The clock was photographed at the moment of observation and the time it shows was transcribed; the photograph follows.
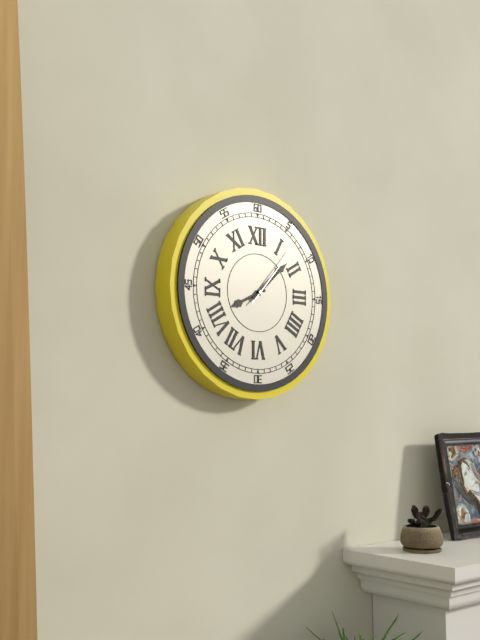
8:08:07
